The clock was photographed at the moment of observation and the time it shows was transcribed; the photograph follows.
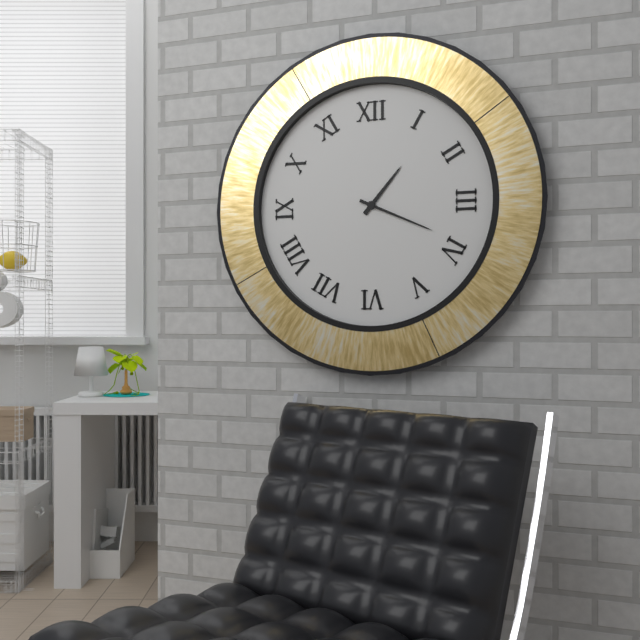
1:19
